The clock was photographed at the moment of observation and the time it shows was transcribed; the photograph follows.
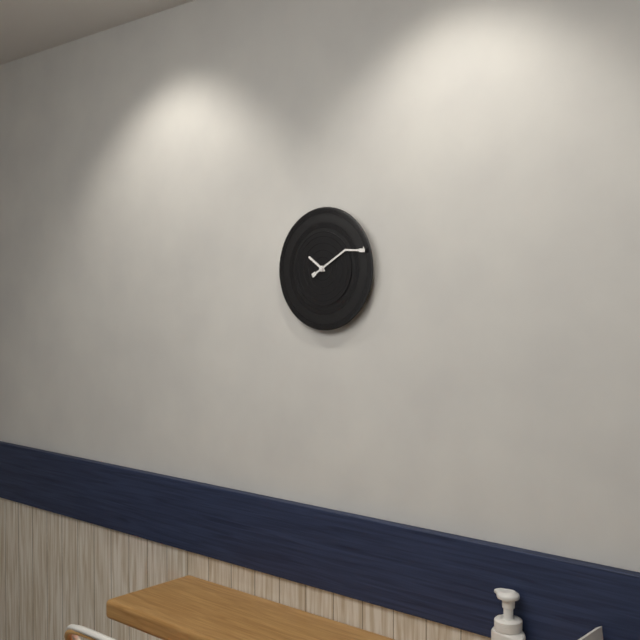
10:10
